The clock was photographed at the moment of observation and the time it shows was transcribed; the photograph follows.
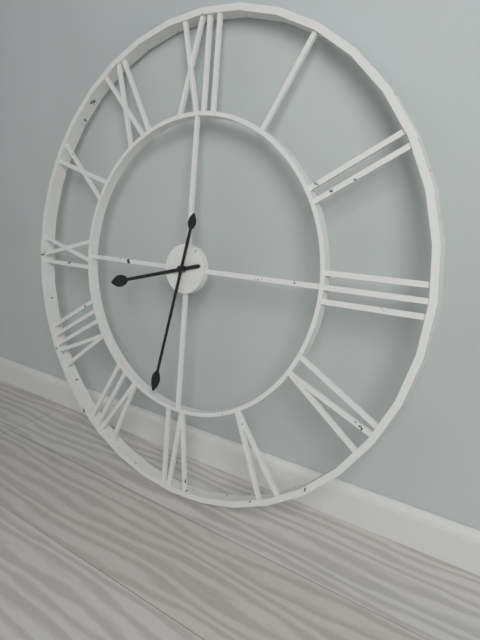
8:32
